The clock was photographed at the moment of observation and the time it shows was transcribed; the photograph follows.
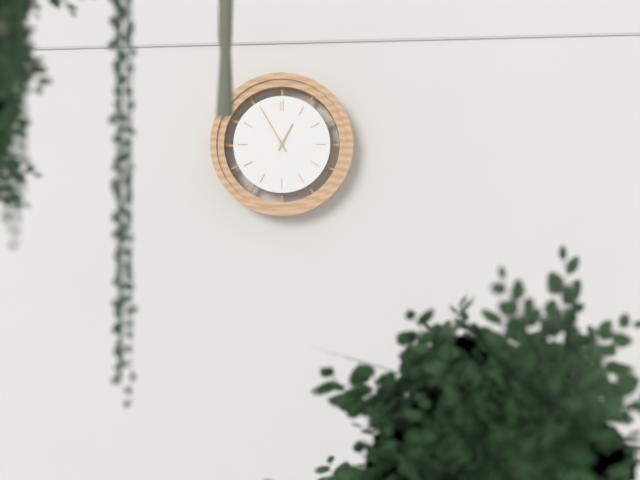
12:55
